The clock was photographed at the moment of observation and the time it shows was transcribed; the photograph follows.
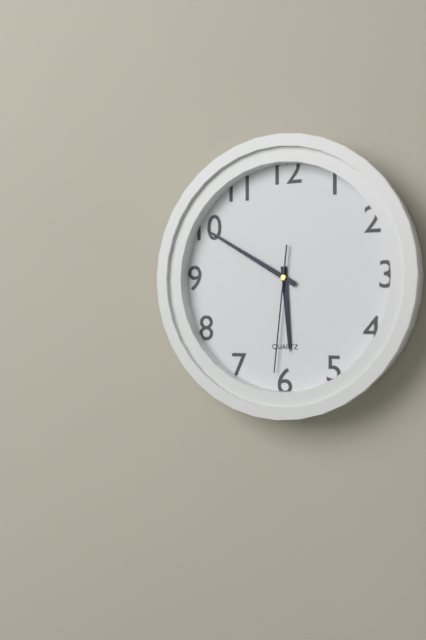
5:50:31
